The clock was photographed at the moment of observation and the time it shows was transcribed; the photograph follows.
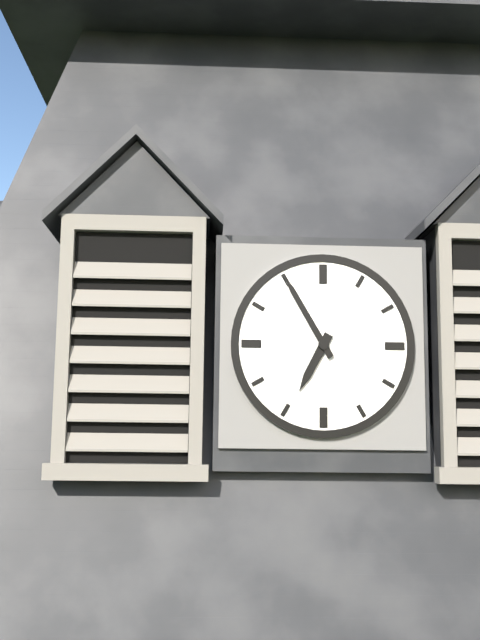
6:55
